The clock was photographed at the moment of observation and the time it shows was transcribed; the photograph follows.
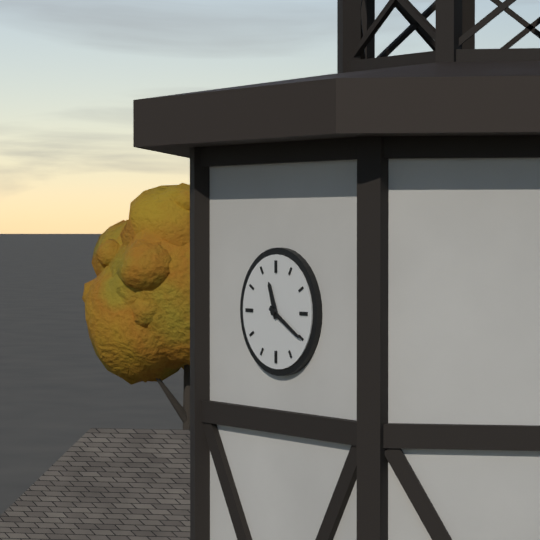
11:20
